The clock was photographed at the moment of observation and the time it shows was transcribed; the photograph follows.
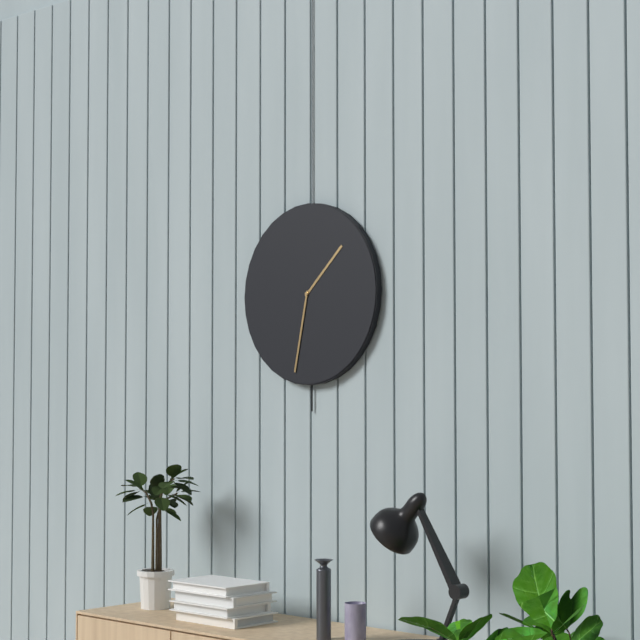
1:32
